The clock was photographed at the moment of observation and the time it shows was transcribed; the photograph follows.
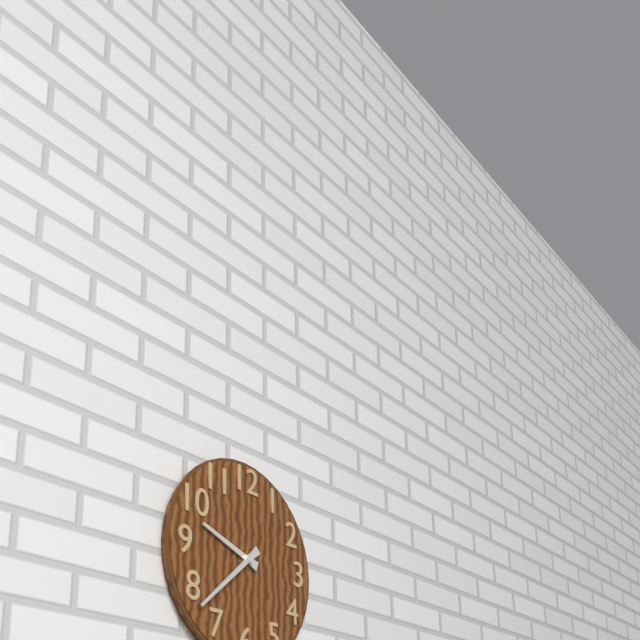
9:38
